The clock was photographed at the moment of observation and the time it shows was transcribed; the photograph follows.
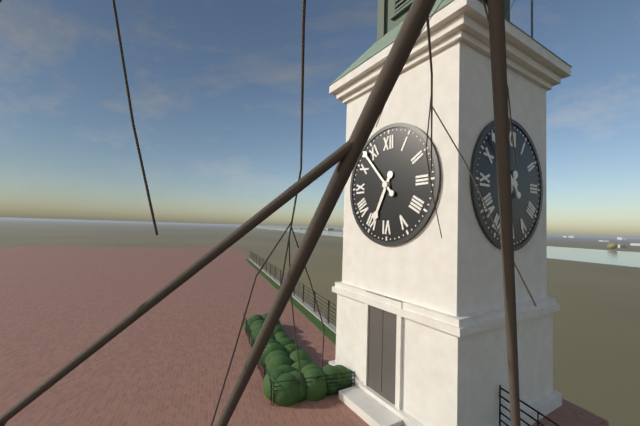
6:53
